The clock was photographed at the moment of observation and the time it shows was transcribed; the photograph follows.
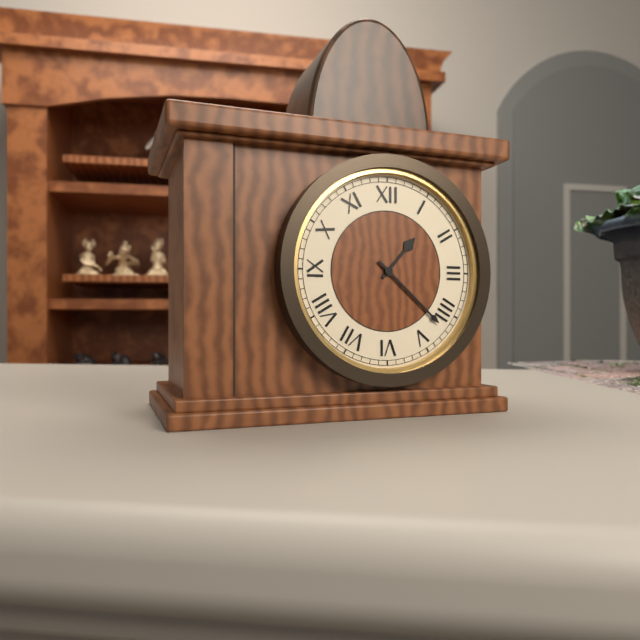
1:22
